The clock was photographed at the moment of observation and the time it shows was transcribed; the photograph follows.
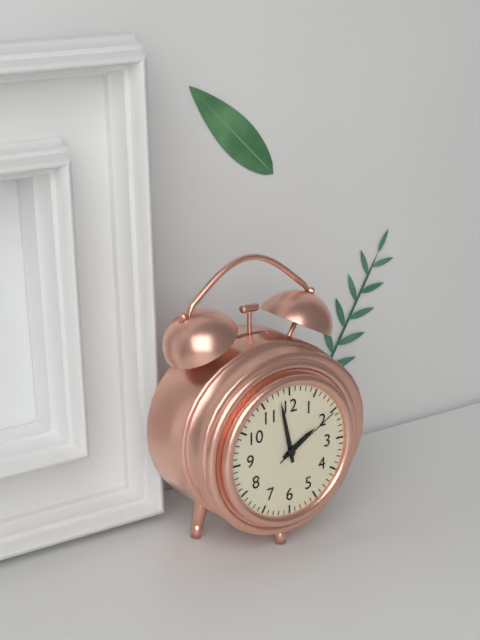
1:58:10
